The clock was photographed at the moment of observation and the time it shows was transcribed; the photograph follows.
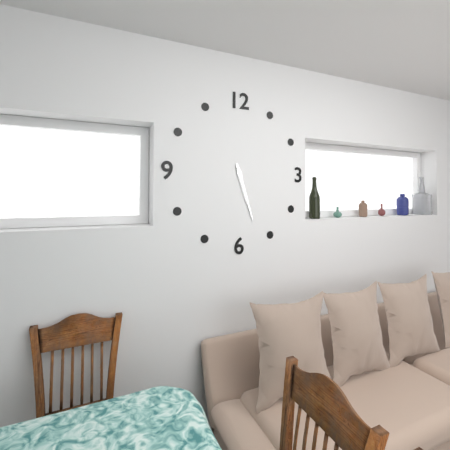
5:27
